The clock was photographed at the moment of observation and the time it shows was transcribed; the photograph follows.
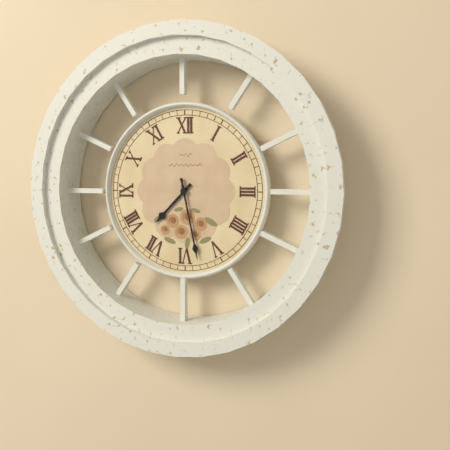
7:28
